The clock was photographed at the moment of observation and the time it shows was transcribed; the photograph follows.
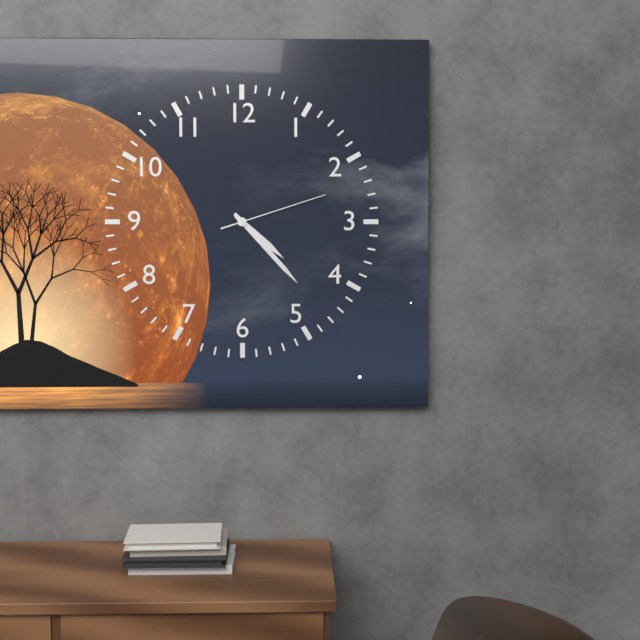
4:23:12
